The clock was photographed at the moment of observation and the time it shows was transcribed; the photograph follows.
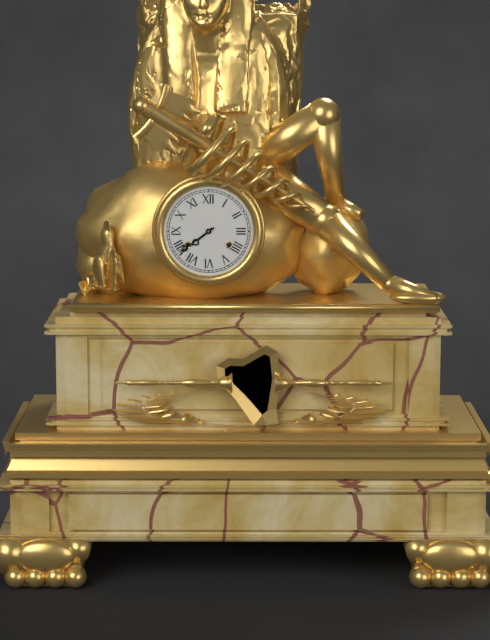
7:39
